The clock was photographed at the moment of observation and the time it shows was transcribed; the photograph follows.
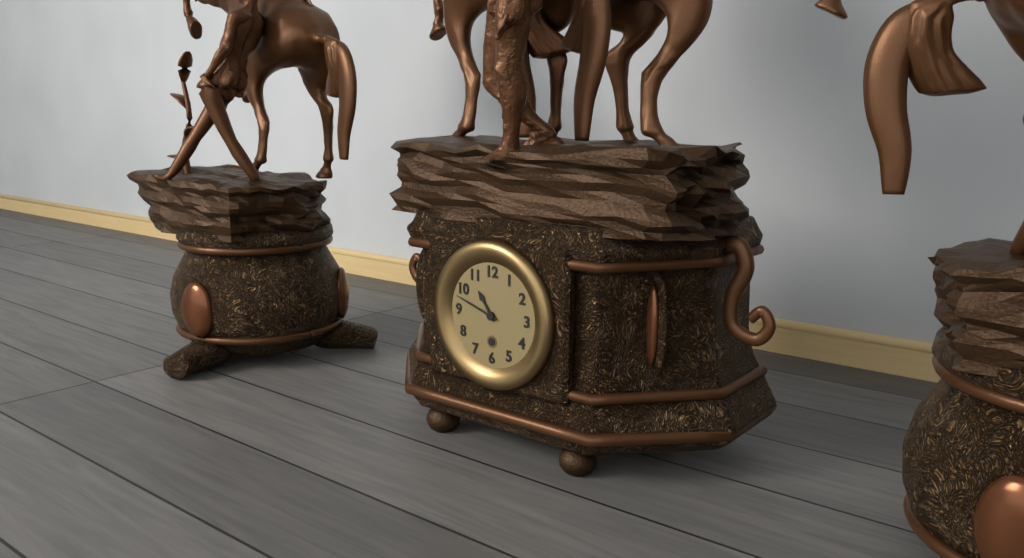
10:48
